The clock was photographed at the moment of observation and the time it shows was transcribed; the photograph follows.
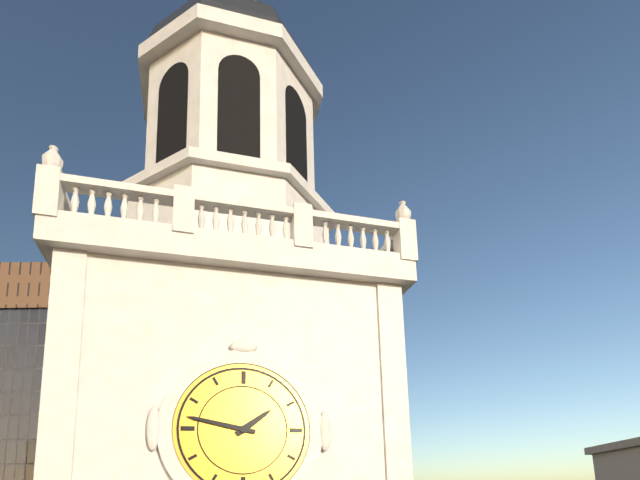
1:47
